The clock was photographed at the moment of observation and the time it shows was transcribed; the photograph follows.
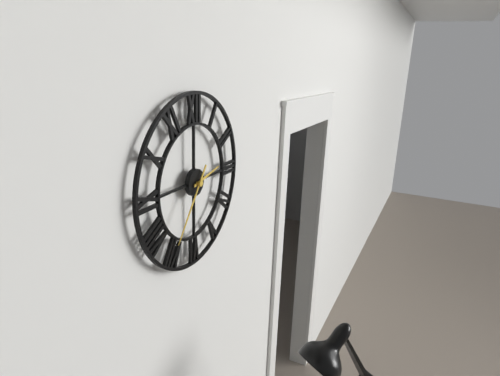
2:36
